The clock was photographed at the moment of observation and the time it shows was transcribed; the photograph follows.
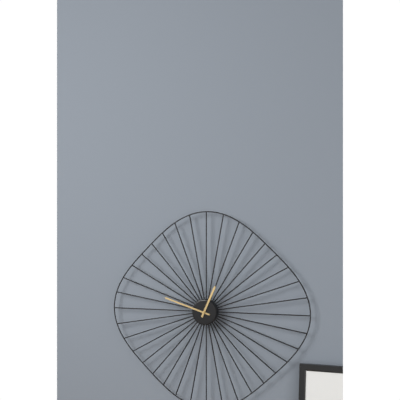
12:48
